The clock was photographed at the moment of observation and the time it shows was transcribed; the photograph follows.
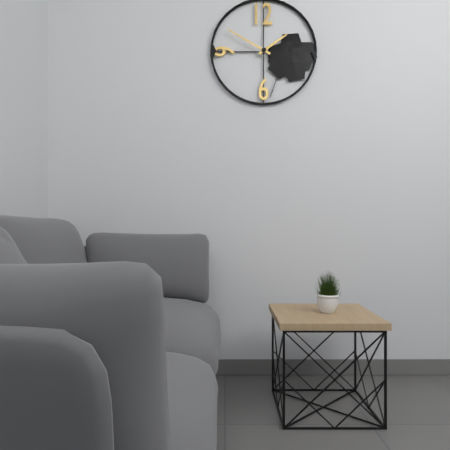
1:50
